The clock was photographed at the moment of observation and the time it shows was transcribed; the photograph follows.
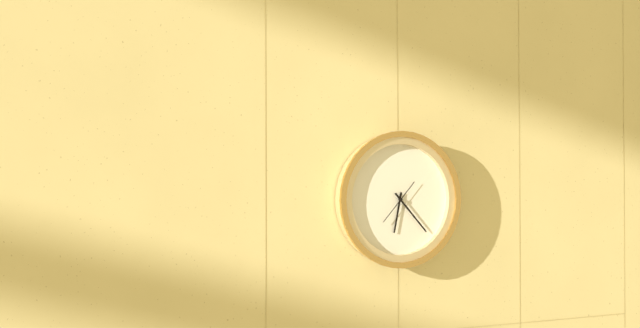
6:23
